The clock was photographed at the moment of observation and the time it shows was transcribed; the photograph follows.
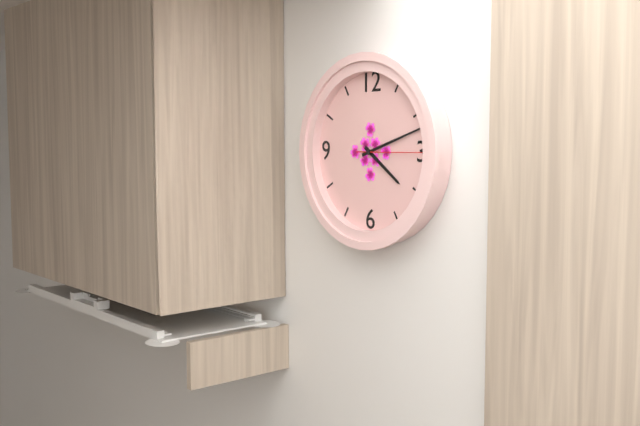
4:12:15
